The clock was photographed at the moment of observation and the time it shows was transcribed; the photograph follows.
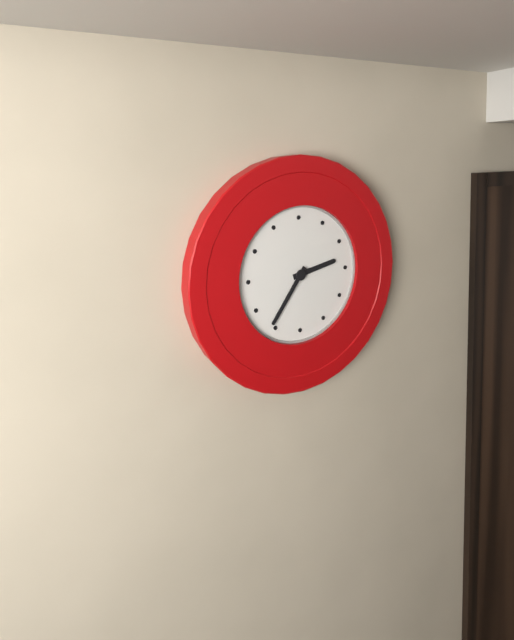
2:36
